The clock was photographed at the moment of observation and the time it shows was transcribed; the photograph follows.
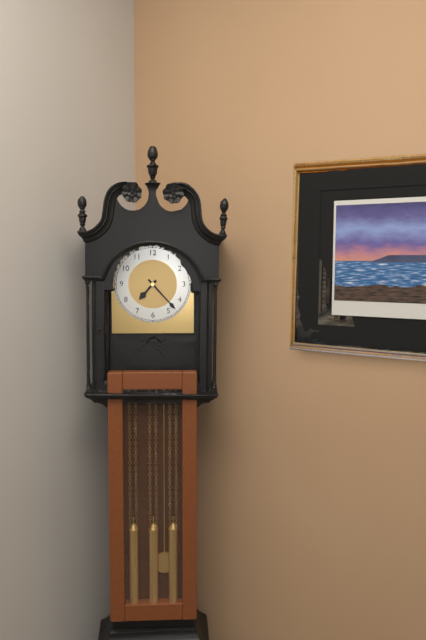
7:23
